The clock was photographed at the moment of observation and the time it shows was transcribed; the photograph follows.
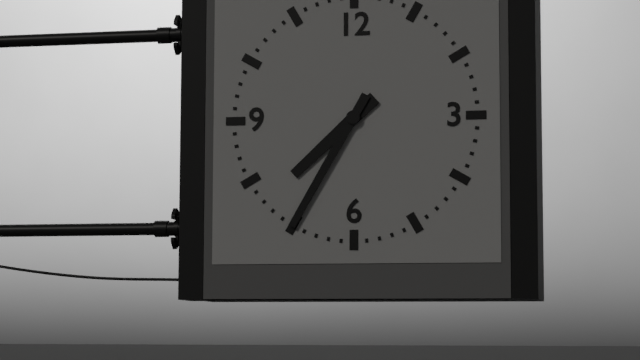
7:35
